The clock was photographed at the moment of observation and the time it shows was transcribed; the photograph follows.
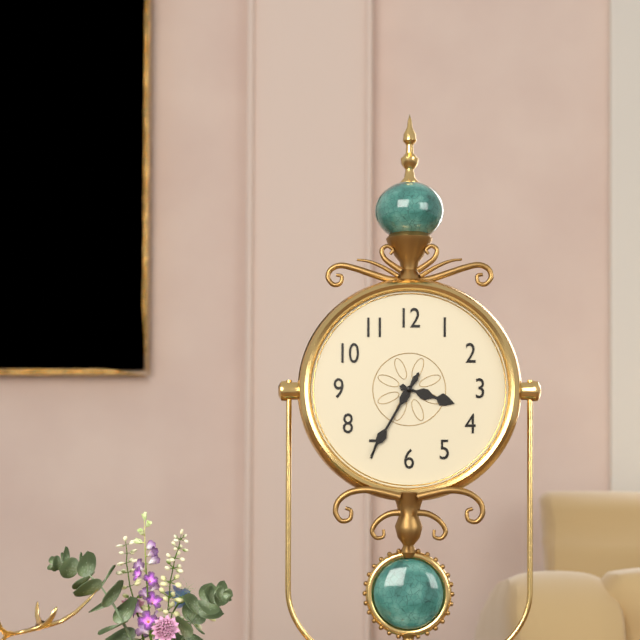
3:35:35
